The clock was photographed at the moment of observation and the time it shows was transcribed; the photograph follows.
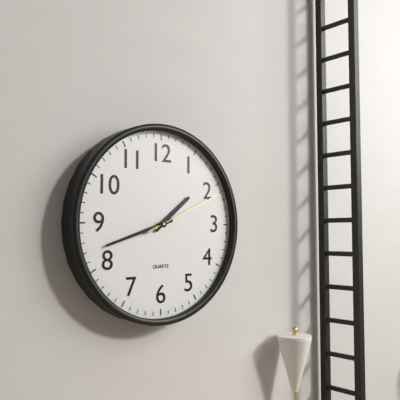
1:42:11
